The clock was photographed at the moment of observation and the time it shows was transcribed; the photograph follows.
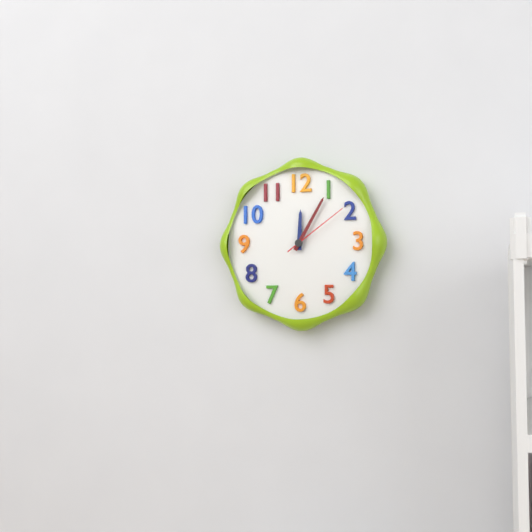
12:05:09
